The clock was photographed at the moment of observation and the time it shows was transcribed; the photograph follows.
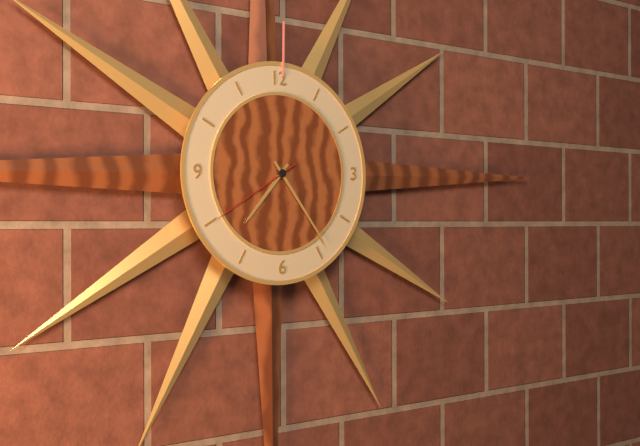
7:24:40
